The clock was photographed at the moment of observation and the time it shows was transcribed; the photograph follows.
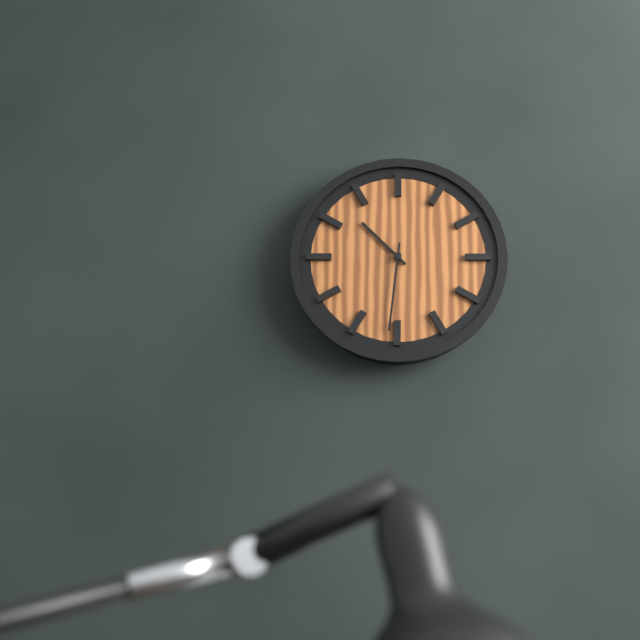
10:31
